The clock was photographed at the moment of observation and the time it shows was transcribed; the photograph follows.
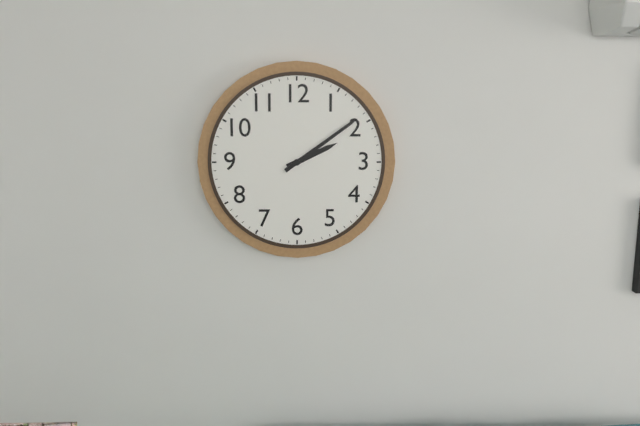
2:09
